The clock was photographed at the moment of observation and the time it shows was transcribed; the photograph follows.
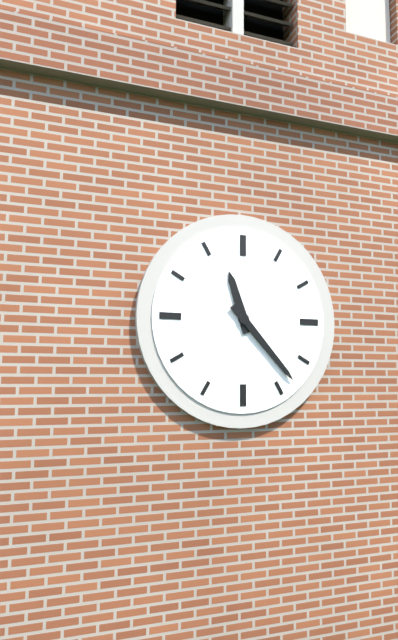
11:23
